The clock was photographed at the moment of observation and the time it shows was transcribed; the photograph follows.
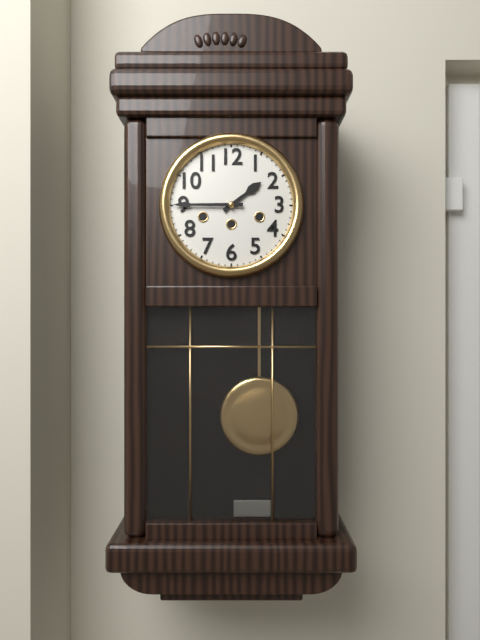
1:45
